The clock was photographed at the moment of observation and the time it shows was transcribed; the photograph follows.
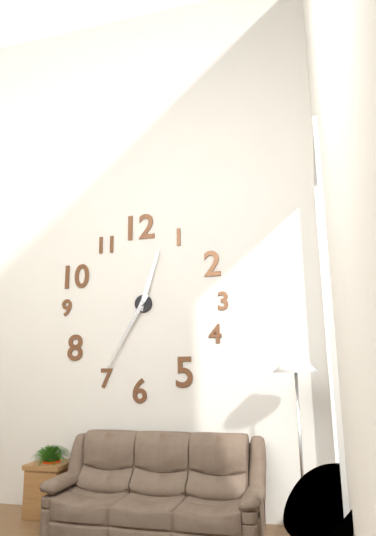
12:35
